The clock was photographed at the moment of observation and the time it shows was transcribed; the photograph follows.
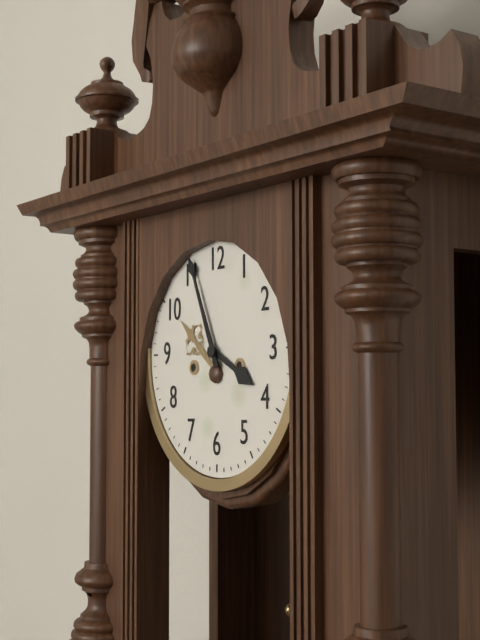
3:56
